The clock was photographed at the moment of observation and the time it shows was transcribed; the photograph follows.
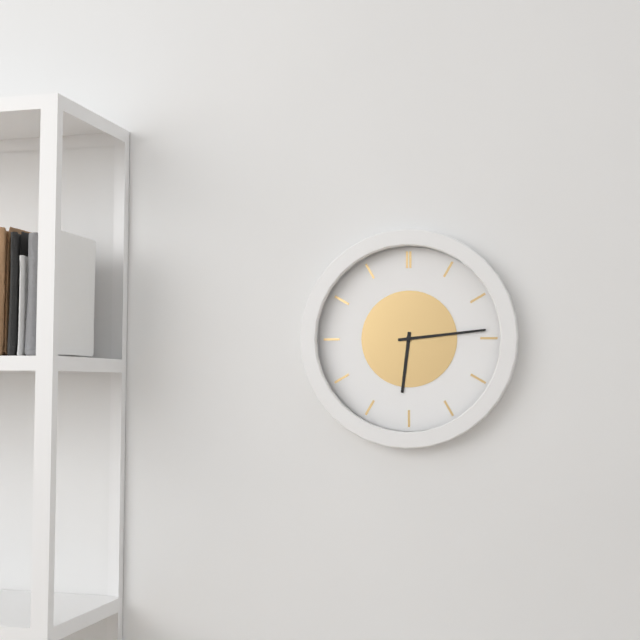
6:14
